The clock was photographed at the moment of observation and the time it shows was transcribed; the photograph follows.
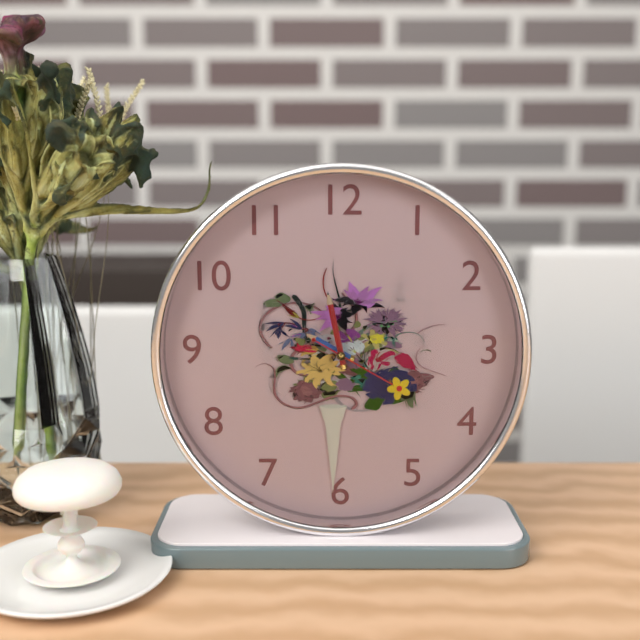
9:58:20
